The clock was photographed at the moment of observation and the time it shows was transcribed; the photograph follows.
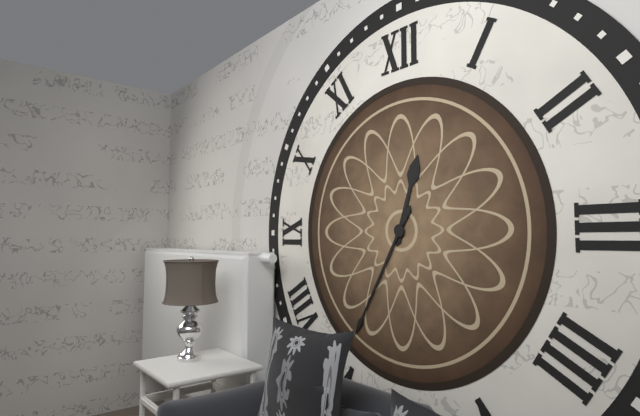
12:35
